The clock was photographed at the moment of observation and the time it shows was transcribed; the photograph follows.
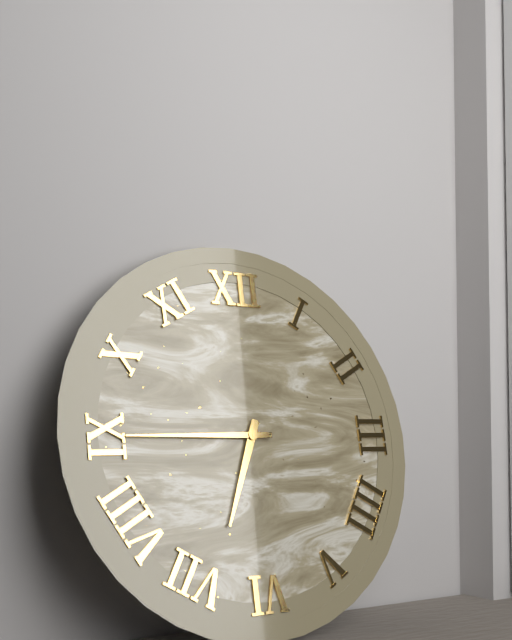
6:45
